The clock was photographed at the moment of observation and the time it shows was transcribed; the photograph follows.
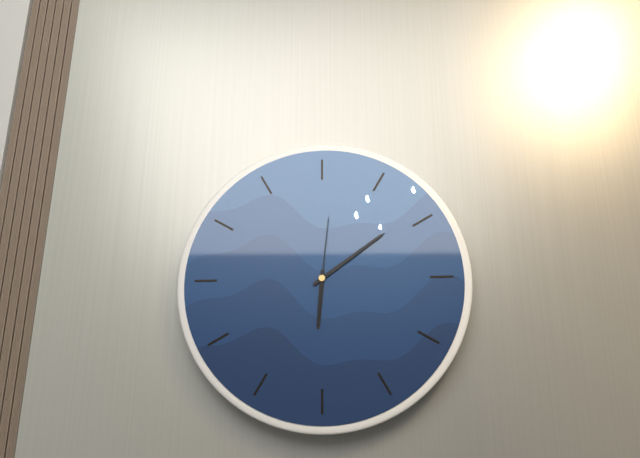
6:09:01
